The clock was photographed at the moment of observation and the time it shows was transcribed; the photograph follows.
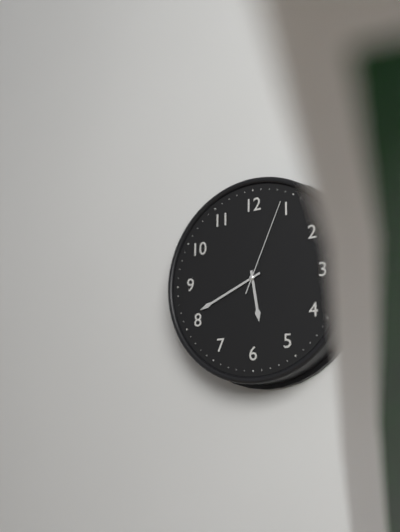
5:41:04
